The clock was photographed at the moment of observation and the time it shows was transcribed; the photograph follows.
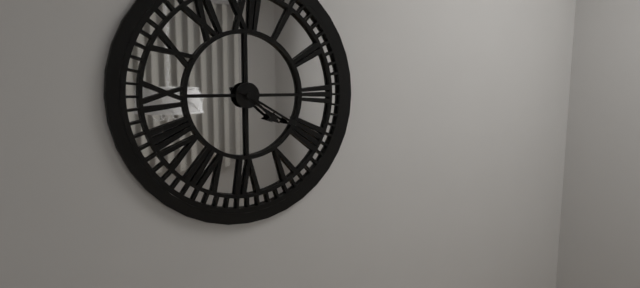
4:20
